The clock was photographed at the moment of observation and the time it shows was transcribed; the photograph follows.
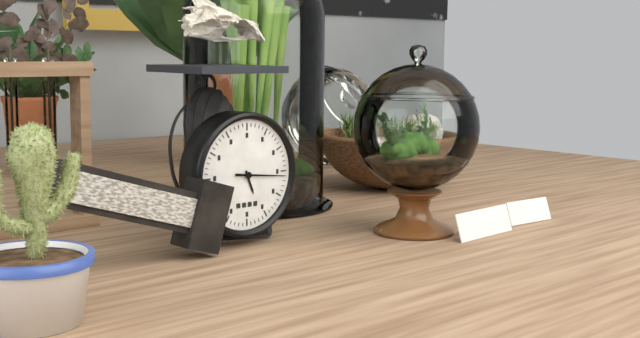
5:16
